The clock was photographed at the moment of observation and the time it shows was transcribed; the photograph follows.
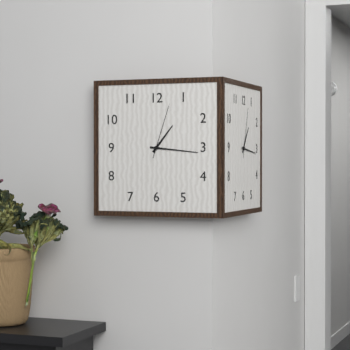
1:16:03
